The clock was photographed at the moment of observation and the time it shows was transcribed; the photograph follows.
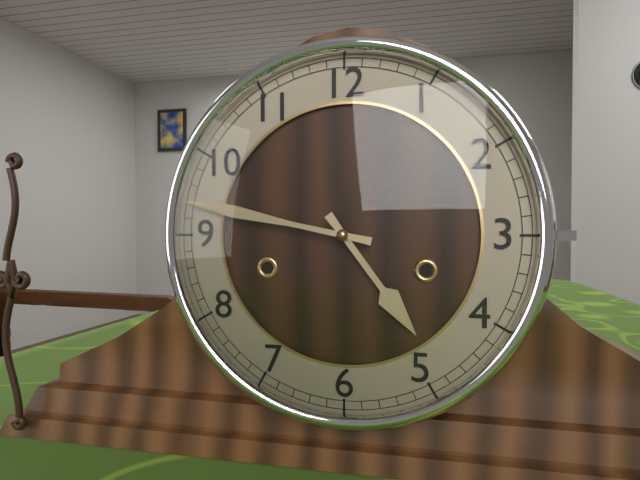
4:47
